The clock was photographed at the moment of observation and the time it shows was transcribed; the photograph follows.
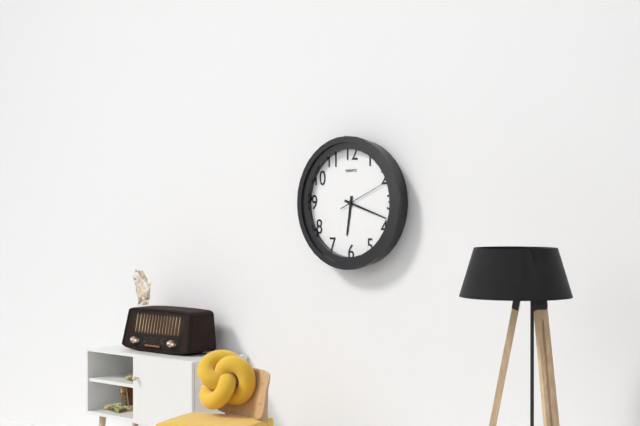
6:18:11
